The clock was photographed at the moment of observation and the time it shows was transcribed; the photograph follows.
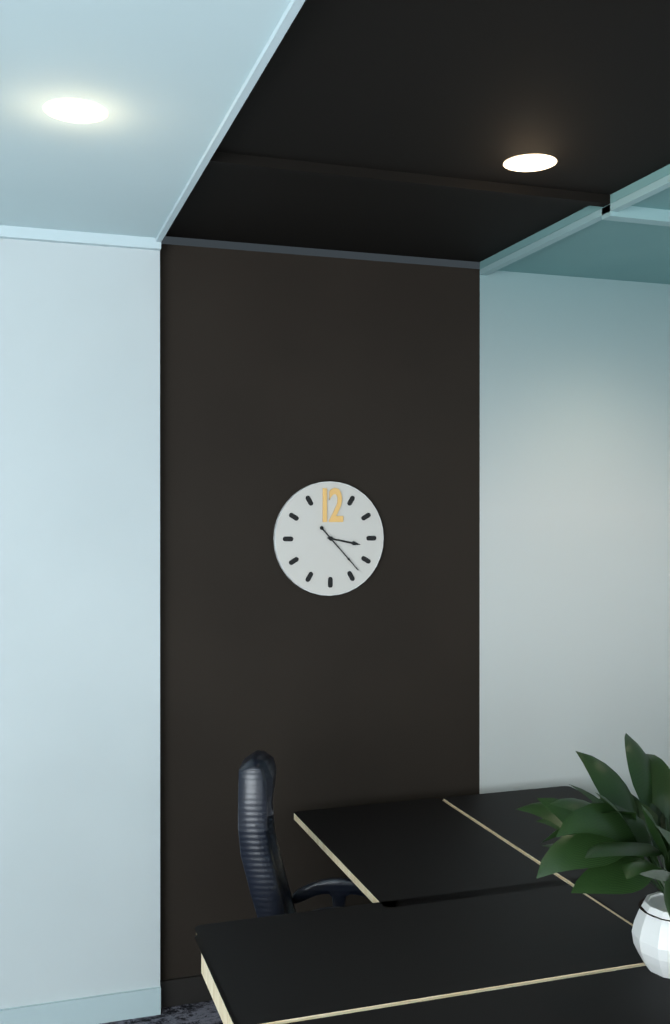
3:23
